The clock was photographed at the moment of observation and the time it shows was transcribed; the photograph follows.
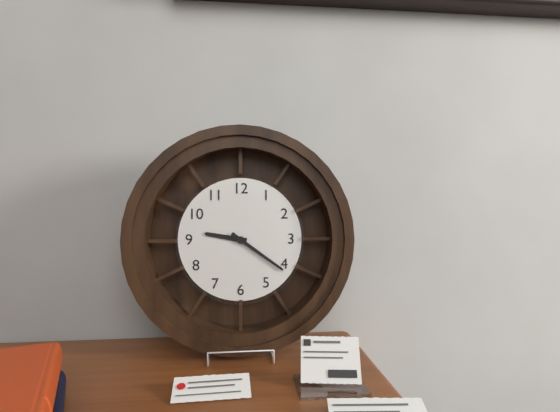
9:21
